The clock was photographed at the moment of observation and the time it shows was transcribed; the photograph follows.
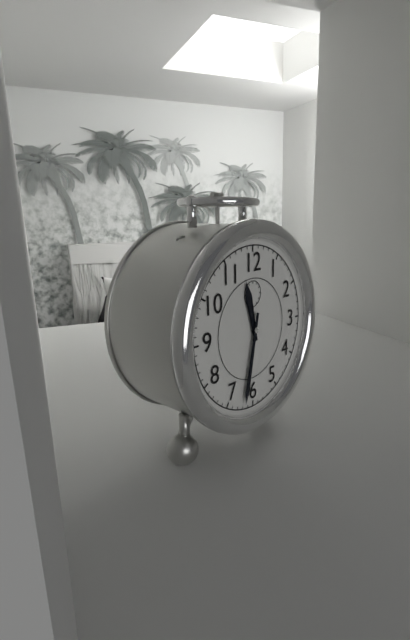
11:32
